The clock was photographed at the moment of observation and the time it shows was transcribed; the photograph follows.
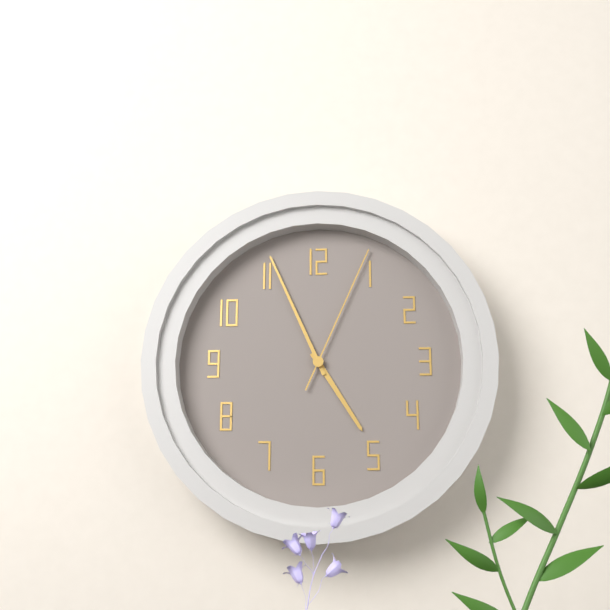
4:56:04
